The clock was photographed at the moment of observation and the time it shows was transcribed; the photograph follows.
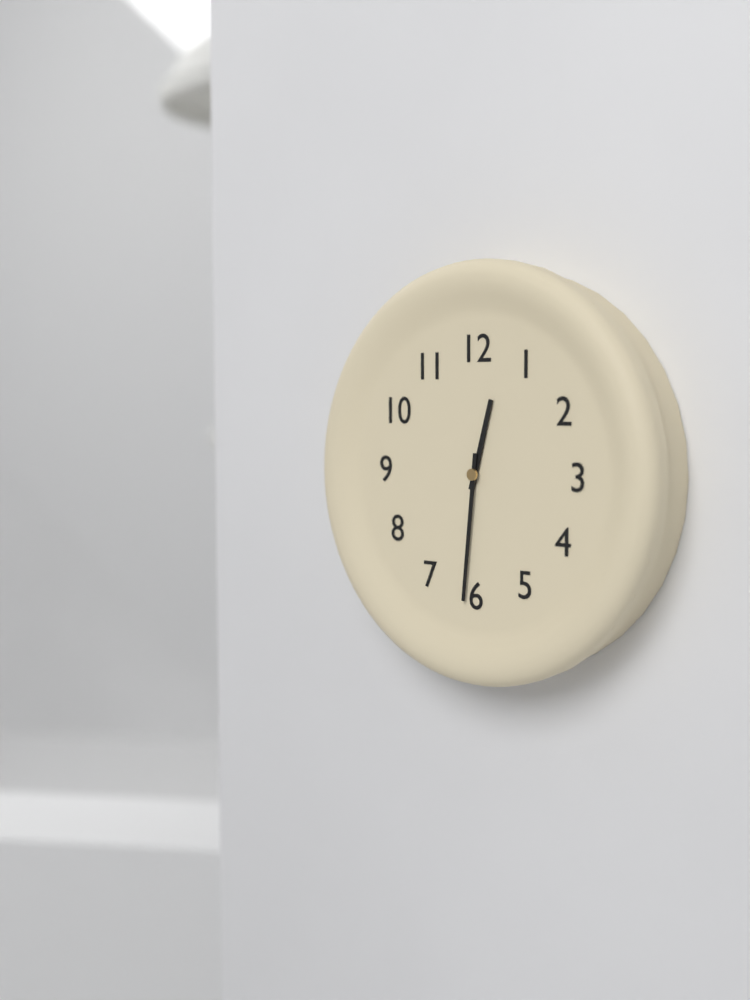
12:31
